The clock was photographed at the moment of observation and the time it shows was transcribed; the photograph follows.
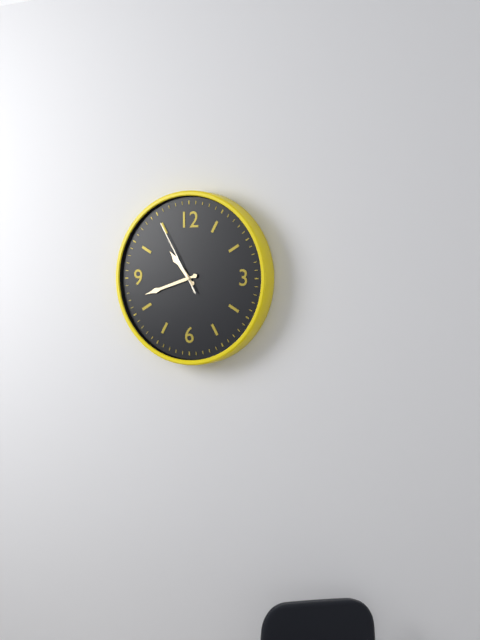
10:42:55
